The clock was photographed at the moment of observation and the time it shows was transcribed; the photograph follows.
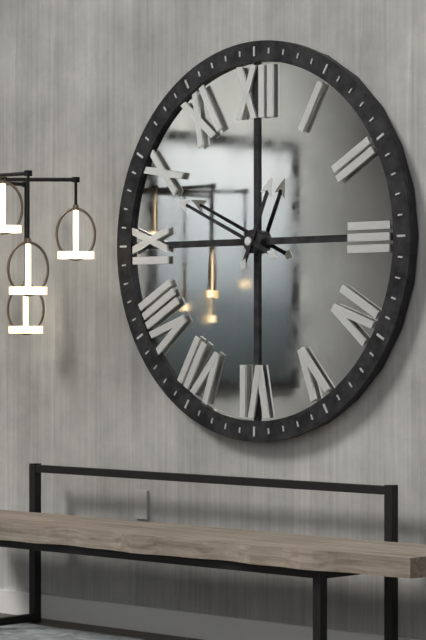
12:49
